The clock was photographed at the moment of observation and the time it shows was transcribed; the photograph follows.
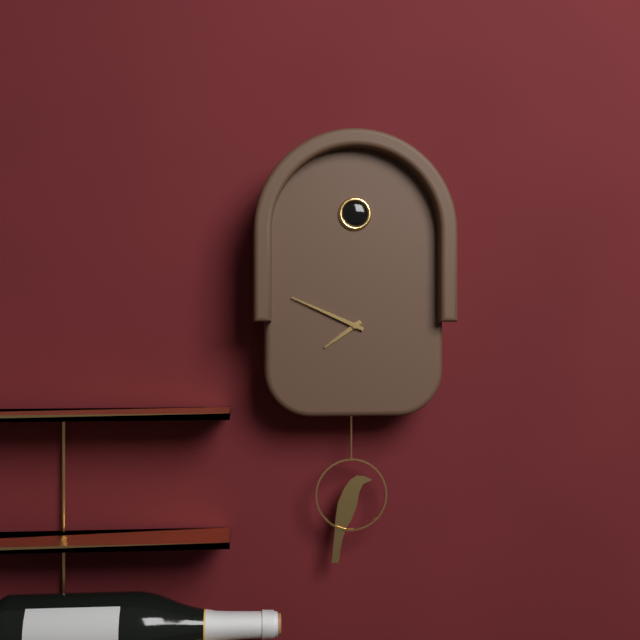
7:49
